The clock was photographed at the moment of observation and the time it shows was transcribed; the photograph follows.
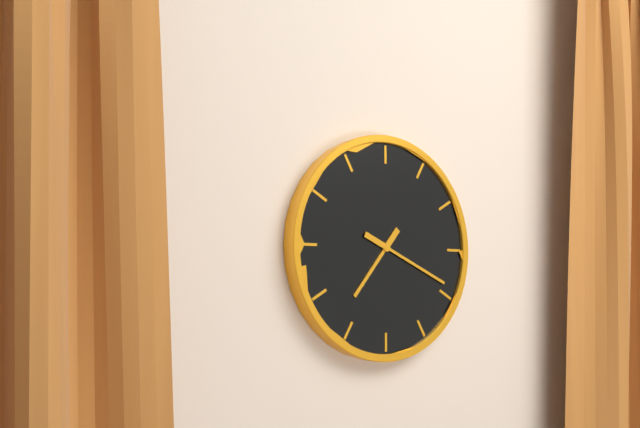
7:19
